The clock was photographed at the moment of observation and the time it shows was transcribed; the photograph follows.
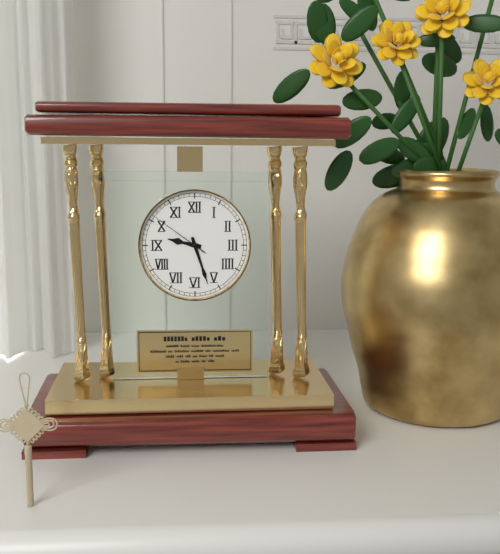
9:27:51
